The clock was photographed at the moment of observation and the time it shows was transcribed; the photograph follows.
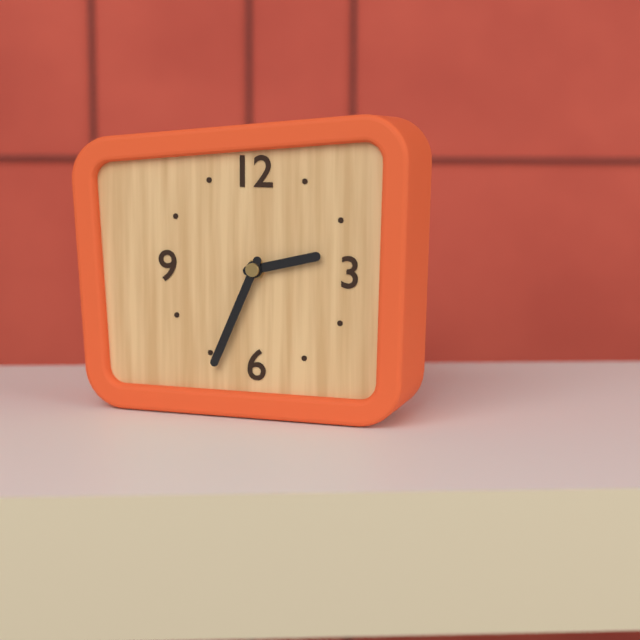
2:34
